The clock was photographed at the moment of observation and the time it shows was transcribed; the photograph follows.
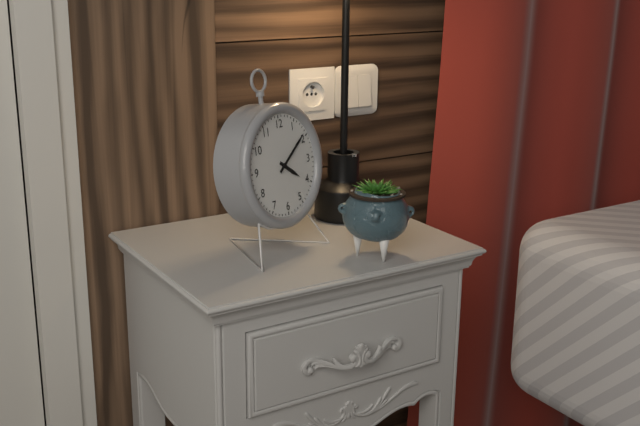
4:09
